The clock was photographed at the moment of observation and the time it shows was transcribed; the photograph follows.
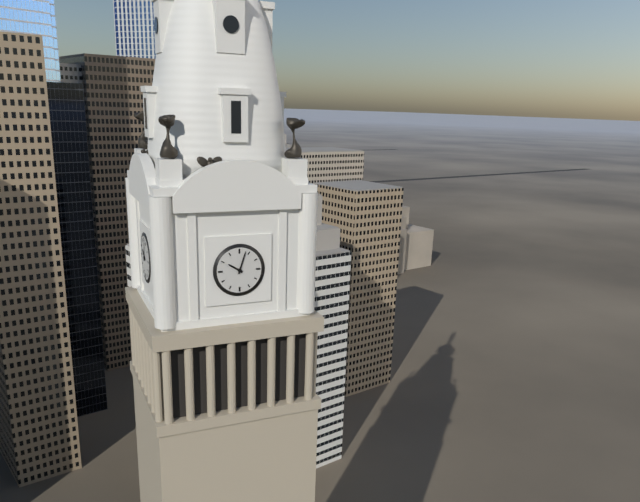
10:03
